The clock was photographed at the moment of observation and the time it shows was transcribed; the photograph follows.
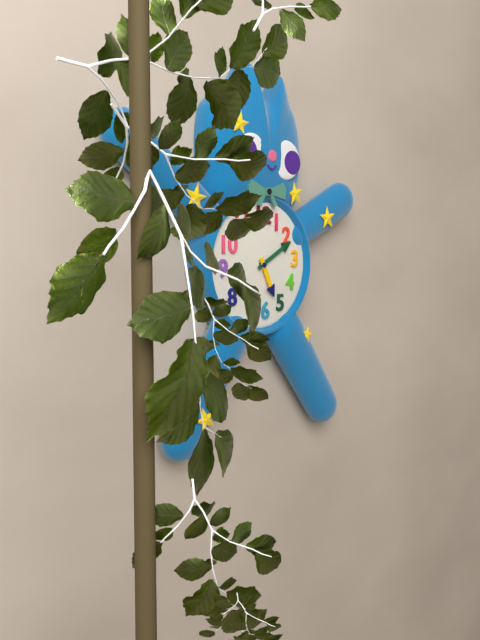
5:10
